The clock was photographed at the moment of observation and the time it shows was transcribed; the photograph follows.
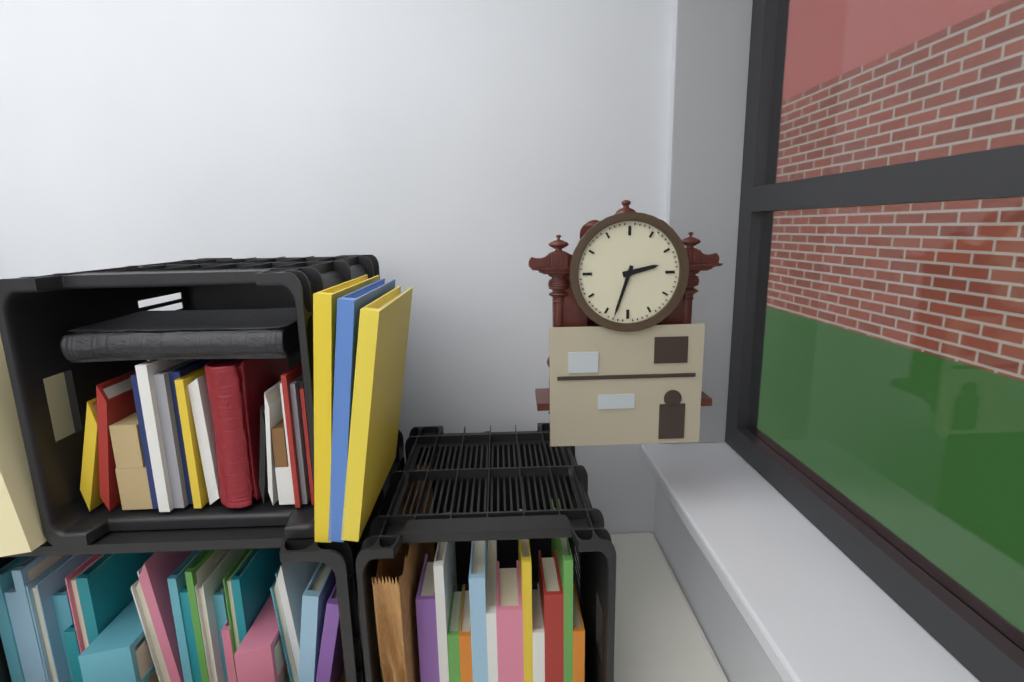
2:33
